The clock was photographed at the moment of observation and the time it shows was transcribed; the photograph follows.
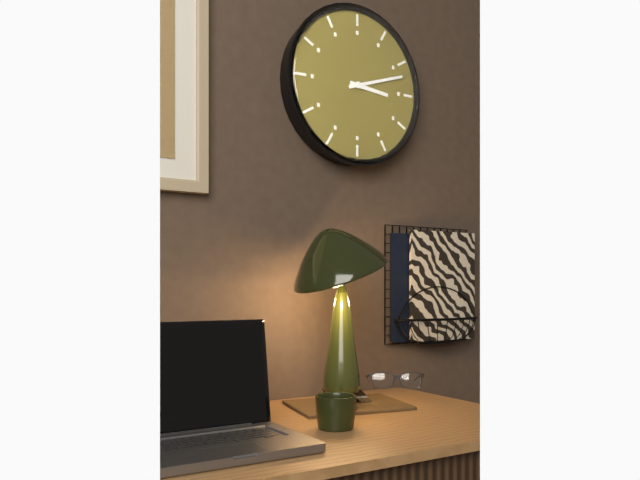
3:12
